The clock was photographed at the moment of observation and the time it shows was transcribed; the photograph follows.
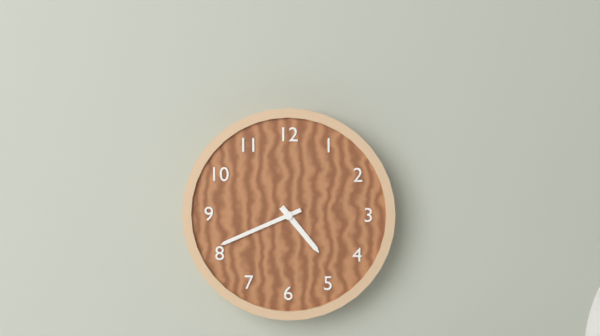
4:41
